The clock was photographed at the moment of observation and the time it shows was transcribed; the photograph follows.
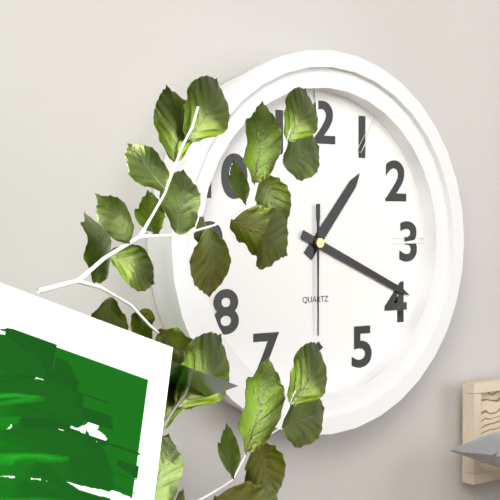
1:19:30
